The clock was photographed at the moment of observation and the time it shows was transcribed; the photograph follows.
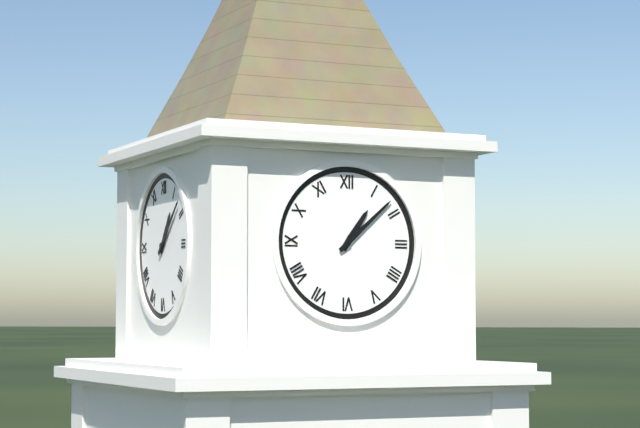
1:08
